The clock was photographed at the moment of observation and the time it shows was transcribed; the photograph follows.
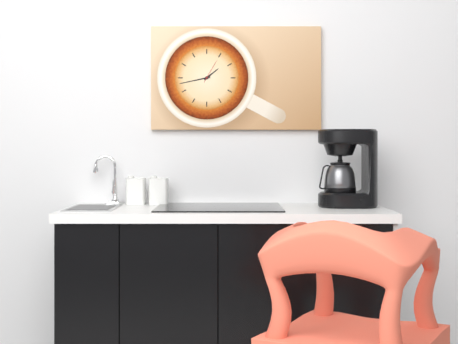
1:43
